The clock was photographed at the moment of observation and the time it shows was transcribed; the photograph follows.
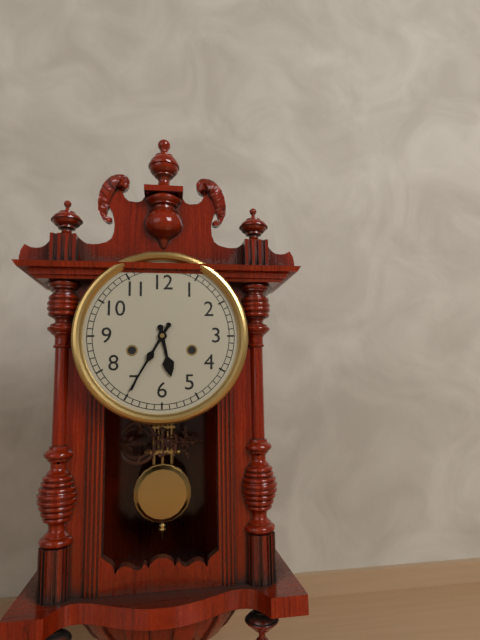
5:35
